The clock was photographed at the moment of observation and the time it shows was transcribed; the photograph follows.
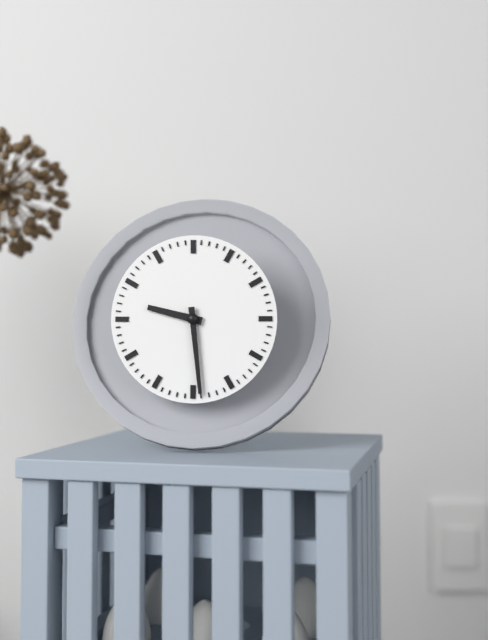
9:29
